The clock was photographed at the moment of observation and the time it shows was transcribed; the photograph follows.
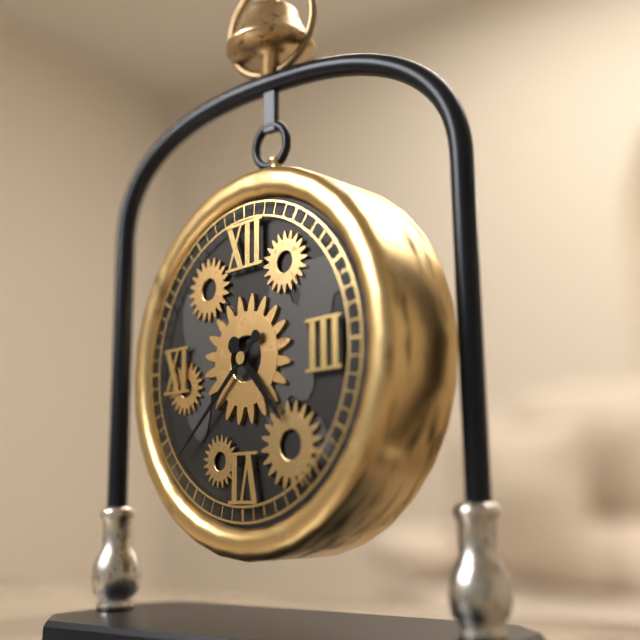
4:38
